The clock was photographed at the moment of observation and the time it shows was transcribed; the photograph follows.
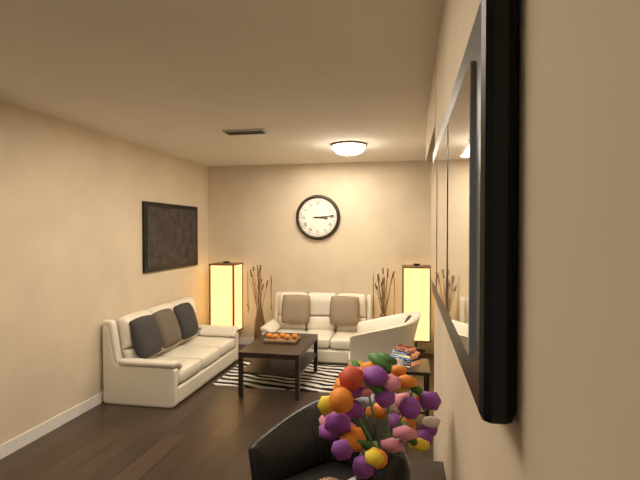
3:14
